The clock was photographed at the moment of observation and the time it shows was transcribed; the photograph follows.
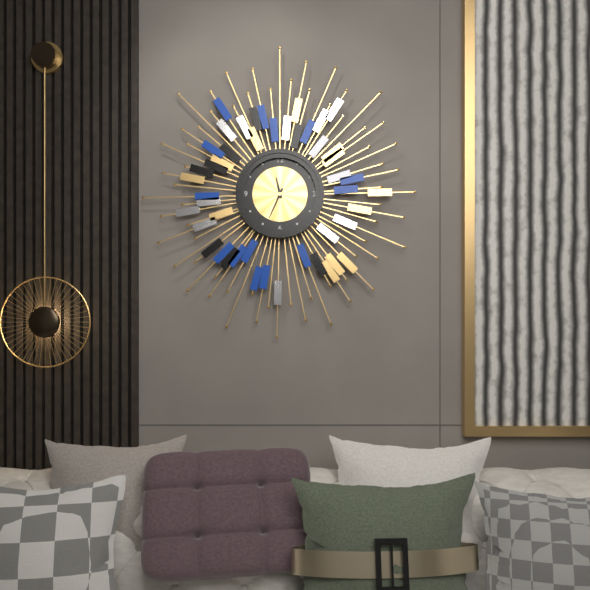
11:34
